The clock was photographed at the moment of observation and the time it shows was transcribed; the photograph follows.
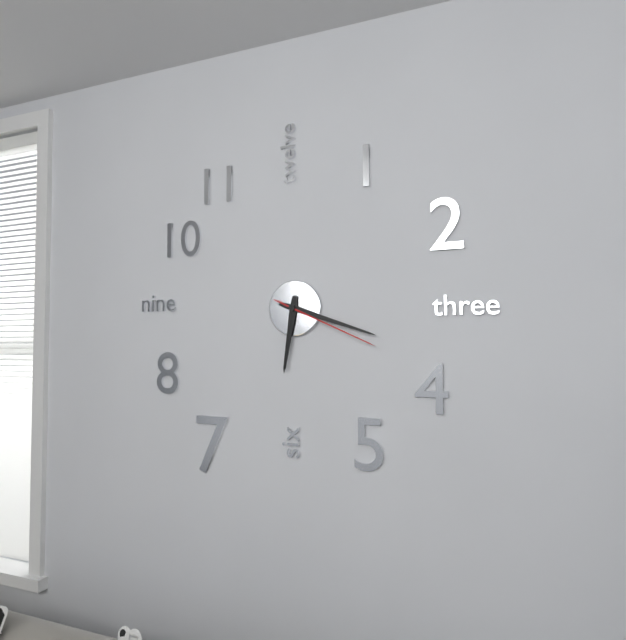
6:18:19
